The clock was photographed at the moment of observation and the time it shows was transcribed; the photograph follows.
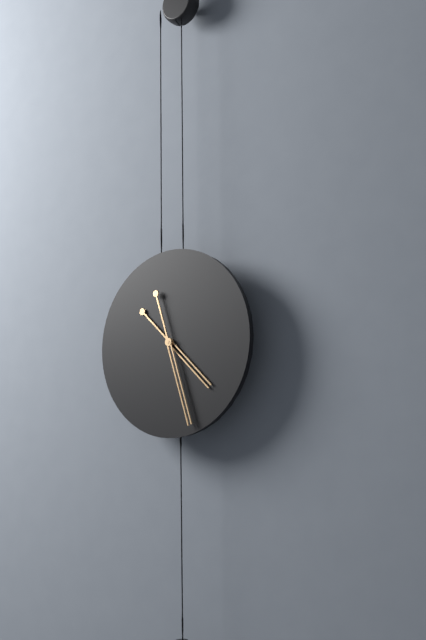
4:27
